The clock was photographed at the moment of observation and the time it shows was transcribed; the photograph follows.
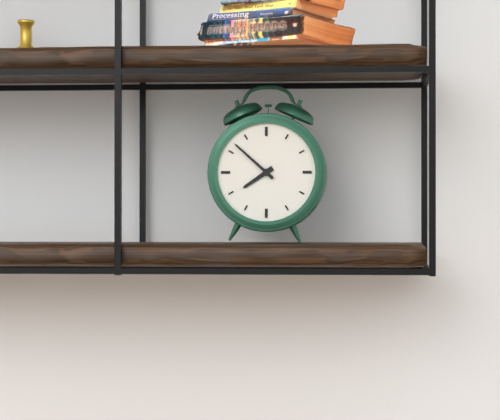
7:52
